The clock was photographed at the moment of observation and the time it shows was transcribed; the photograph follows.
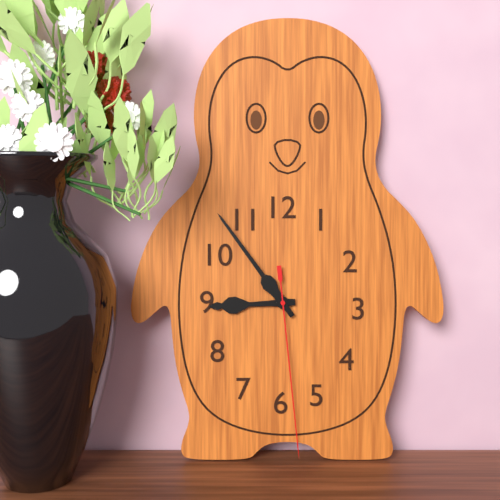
8:54:29
